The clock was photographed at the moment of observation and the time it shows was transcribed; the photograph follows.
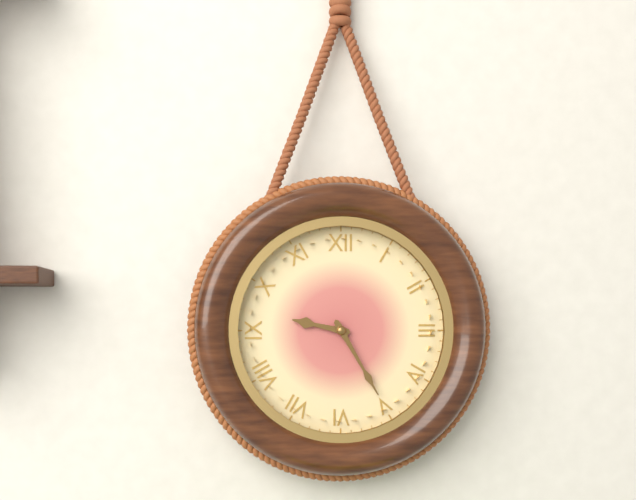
9:25
